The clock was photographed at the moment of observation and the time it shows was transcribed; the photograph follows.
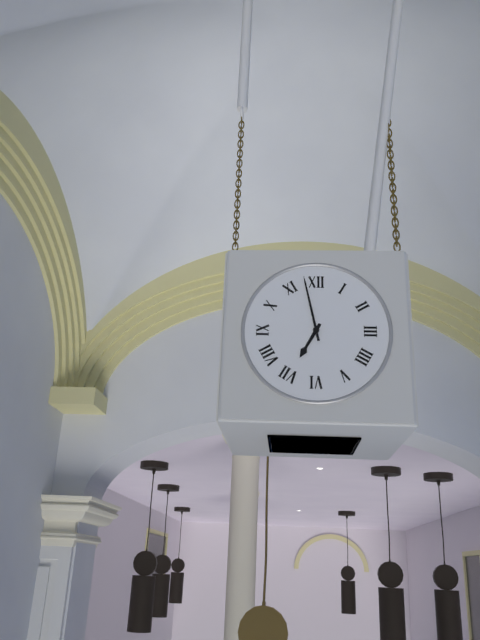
6:58
